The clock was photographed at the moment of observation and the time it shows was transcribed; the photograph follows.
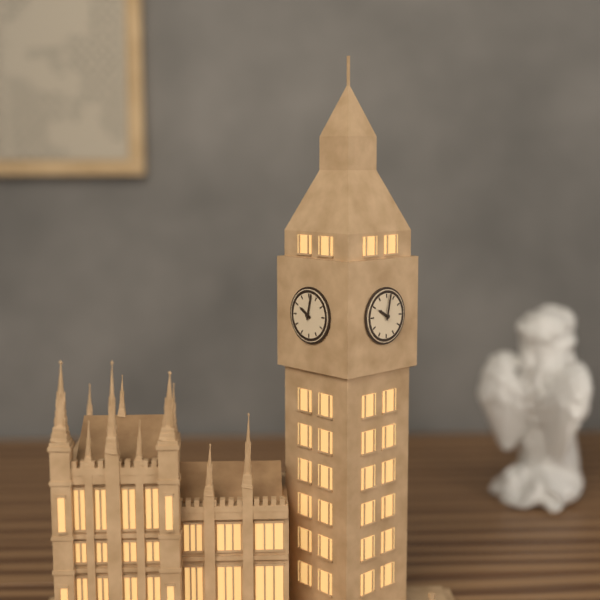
10:02
